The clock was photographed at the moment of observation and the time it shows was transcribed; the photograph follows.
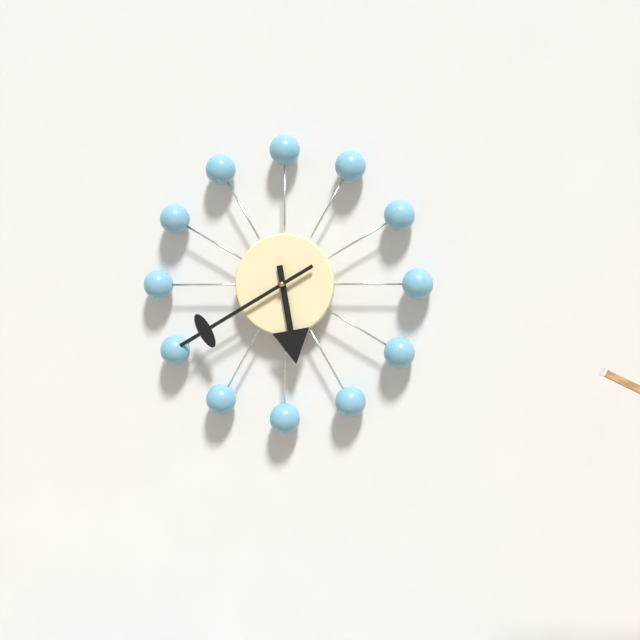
5:40
